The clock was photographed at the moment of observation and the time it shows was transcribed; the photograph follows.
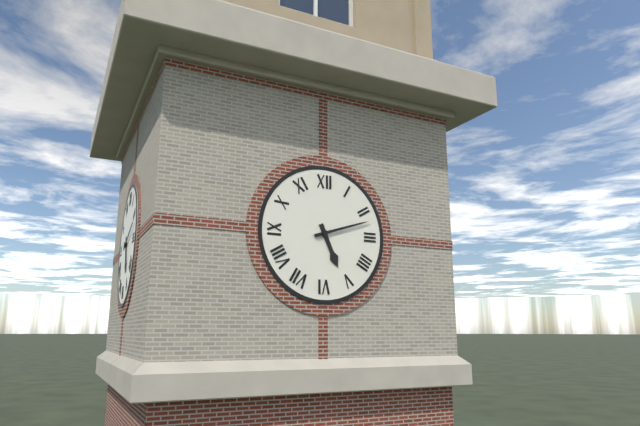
5:12
